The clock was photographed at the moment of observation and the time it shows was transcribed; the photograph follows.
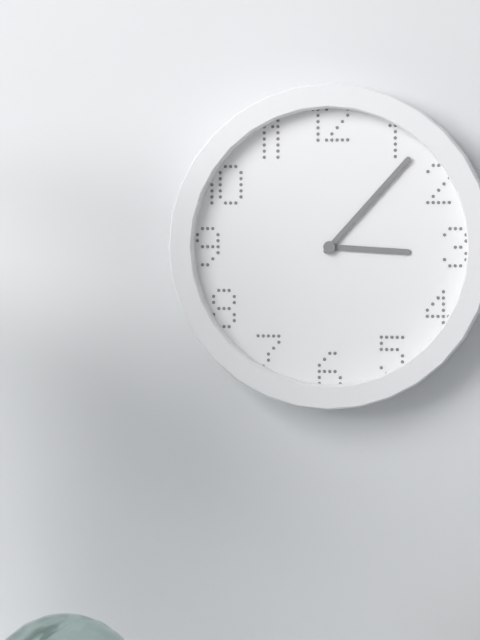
3:07
